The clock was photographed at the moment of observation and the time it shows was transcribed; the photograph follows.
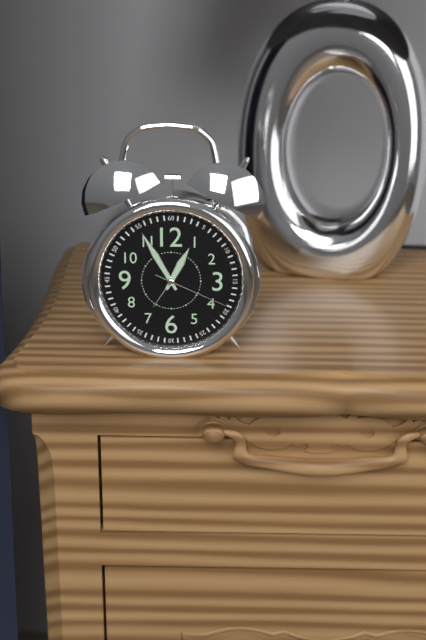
12:55:19
